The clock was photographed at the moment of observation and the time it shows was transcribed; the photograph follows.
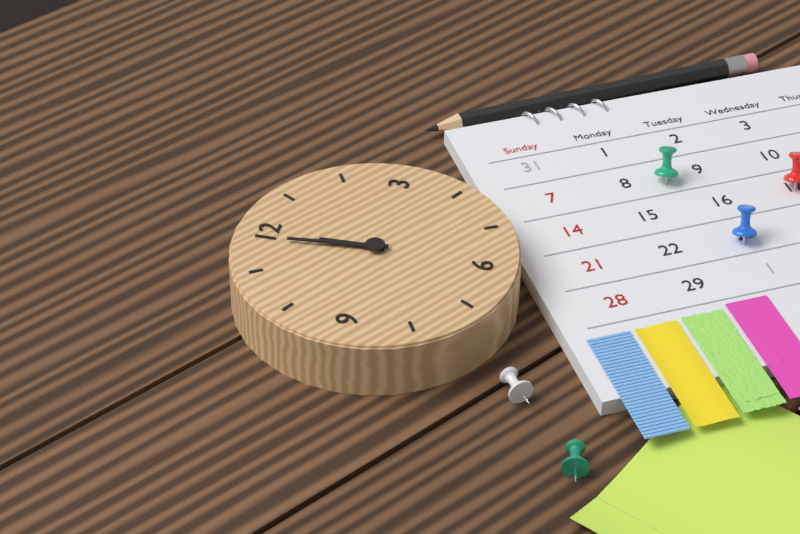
11:59
